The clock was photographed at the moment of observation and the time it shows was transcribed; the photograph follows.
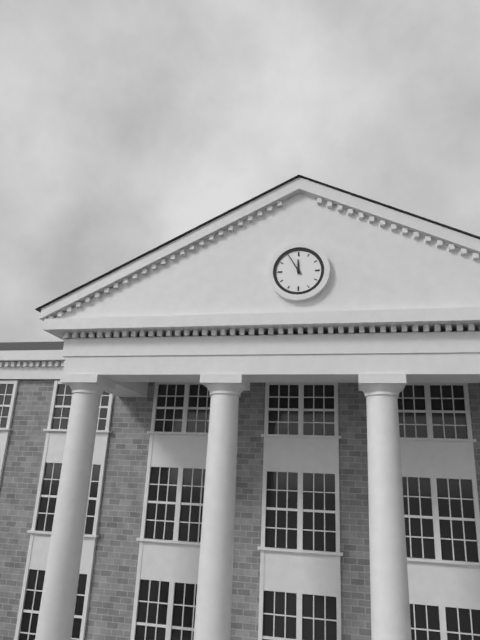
11:55
